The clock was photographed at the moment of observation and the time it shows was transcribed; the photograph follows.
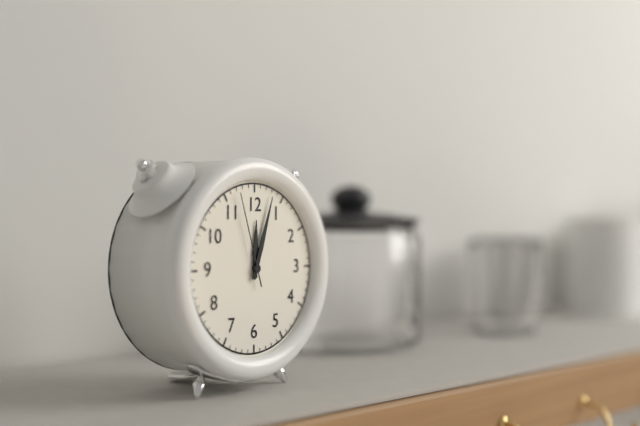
12:03:57
